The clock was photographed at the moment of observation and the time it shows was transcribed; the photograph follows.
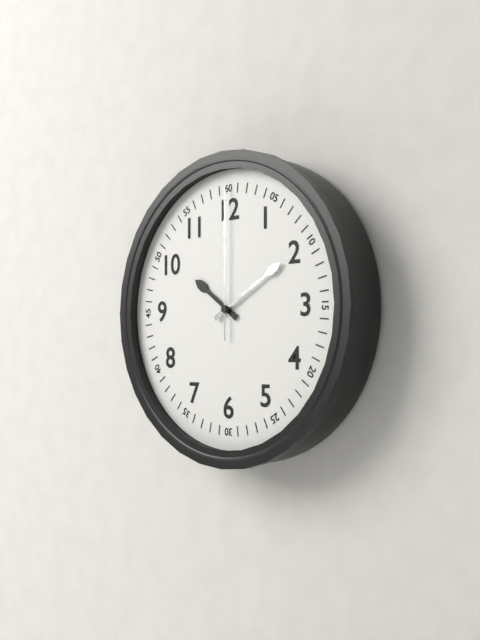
10:10:00
